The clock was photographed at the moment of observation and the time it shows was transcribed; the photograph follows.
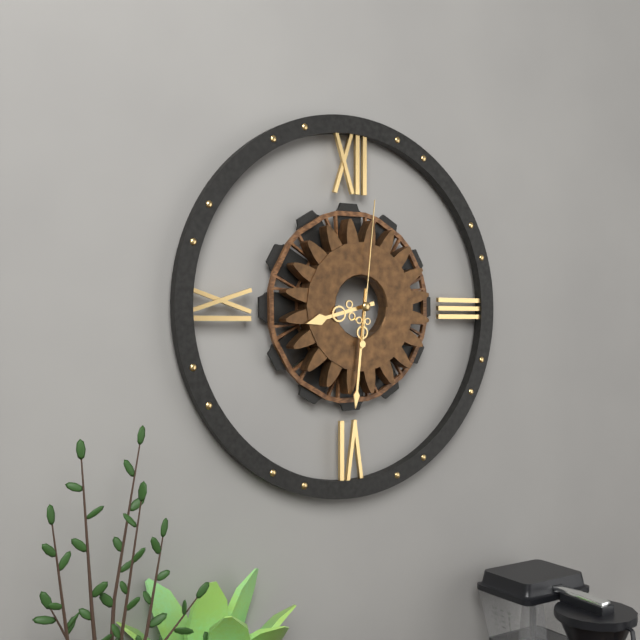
8:31:01
